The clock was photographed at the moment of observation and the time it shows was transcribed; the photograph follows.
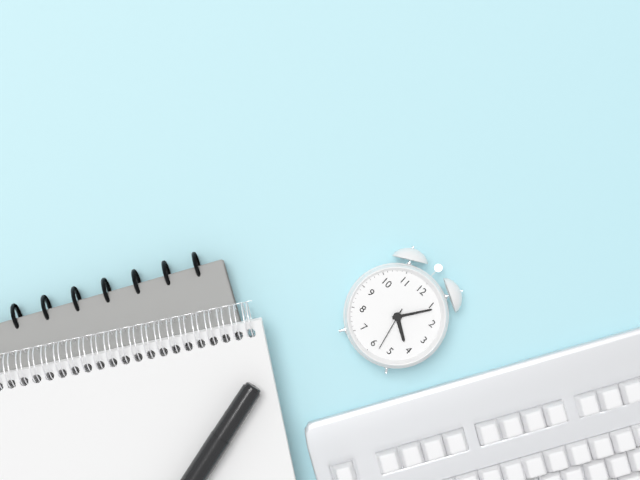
4:06
